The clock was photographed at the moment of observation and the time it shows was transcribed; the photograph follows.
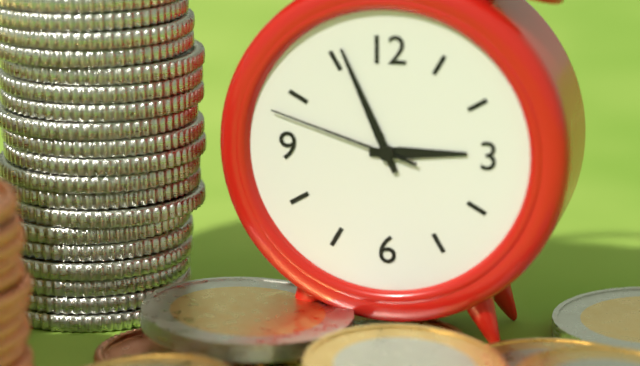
2:56:48
